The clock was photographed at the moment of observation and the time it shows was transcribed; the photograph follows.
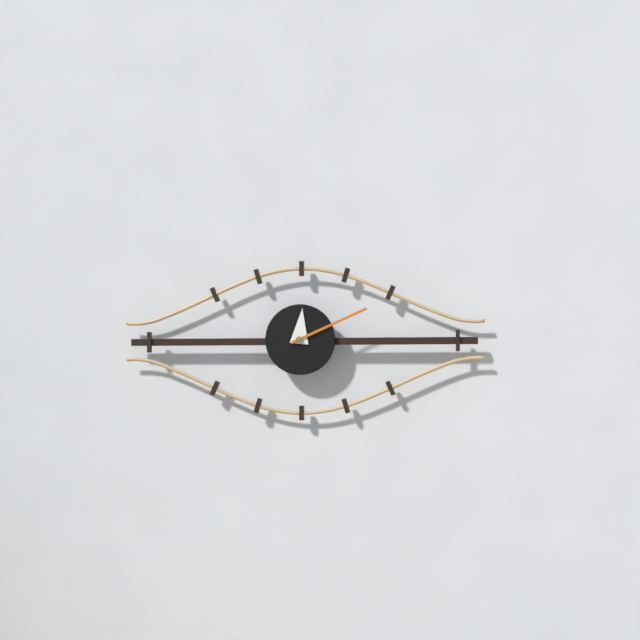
12:11
